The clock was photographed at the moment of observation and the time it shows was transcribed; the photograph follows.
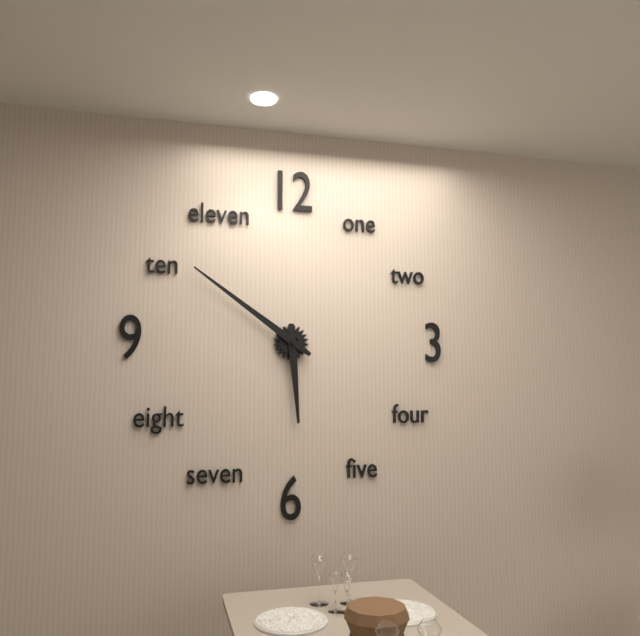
5:51
